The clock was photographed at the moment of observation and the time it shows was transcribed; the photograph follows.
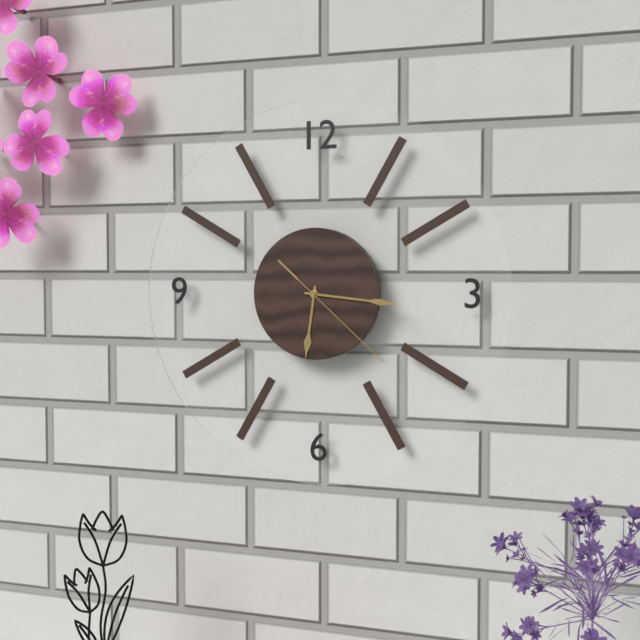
6:16:22
